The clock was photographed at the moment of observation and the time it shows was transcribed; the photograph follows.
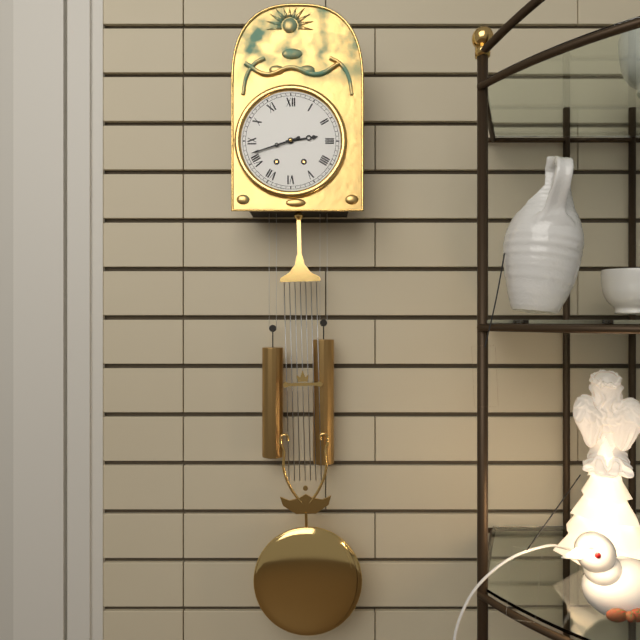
2:42
